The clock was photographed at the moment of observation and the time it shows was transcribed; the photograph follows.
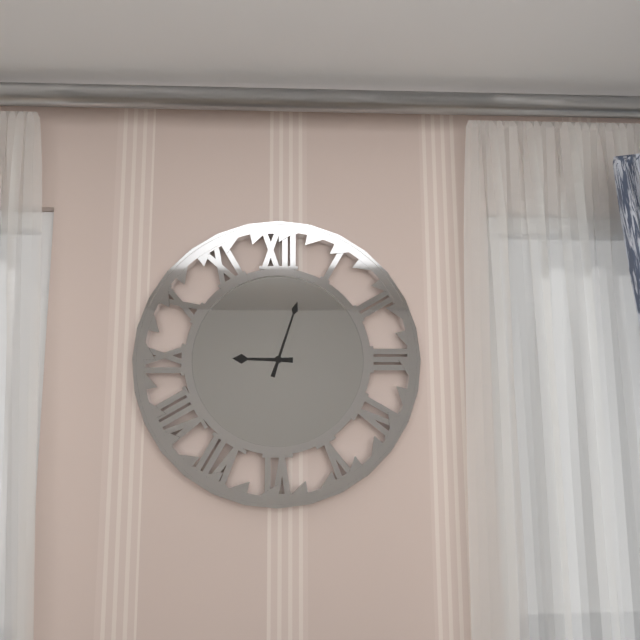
9:03
